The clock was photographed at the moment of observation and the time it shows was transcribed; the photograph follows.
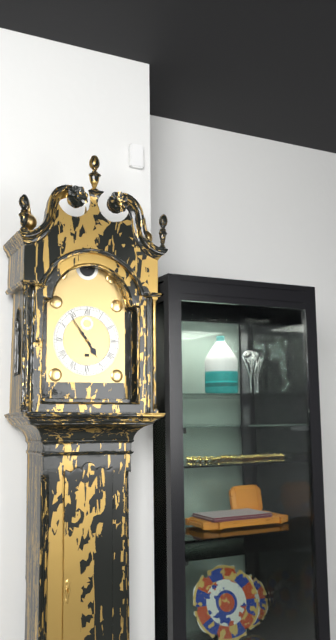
4:54
